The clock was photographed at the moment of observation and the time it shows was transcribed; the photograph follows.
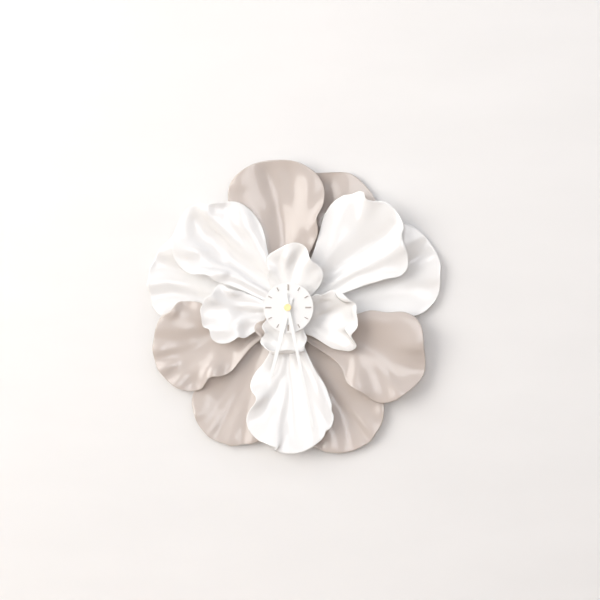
6:28
